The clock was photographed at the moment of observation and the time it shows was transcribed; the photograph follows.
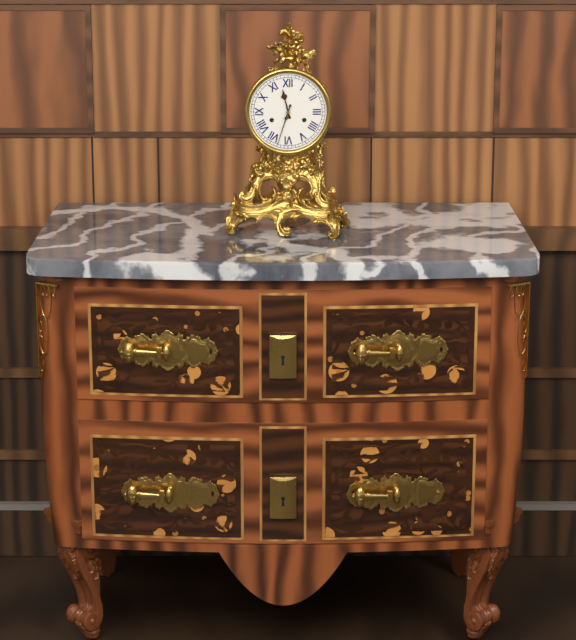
11:33
